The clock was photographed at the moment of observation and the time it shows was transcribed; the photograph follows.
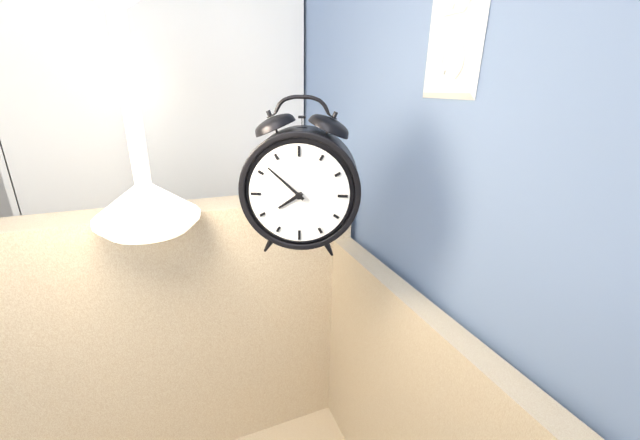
7:52
